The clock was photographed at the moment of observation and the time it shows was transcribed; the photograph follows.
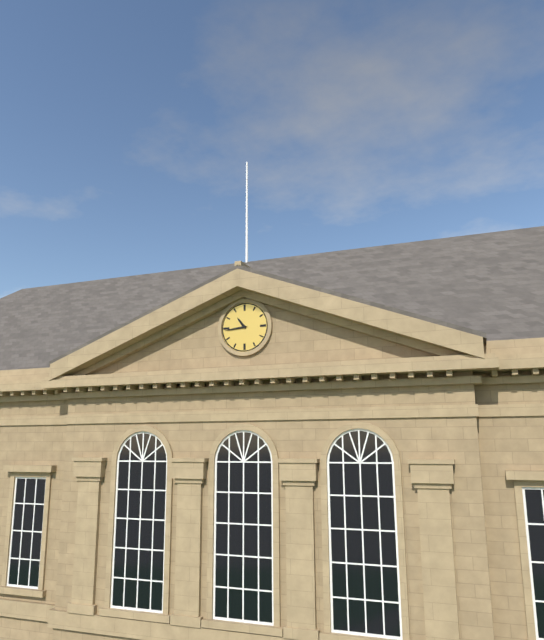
10:44
